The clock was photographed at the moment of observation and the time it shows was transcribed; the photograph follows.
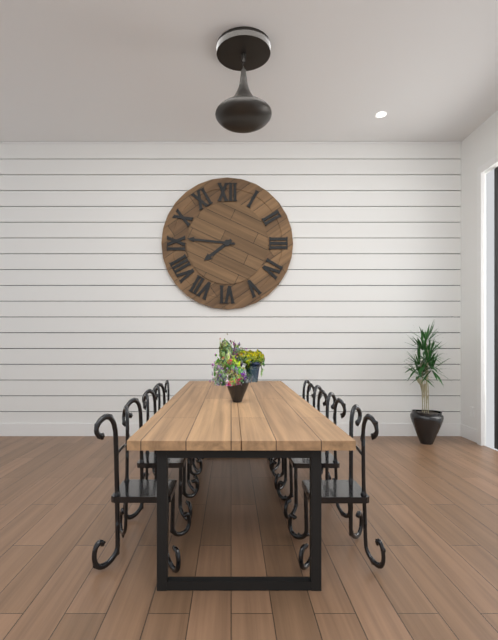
7:46
